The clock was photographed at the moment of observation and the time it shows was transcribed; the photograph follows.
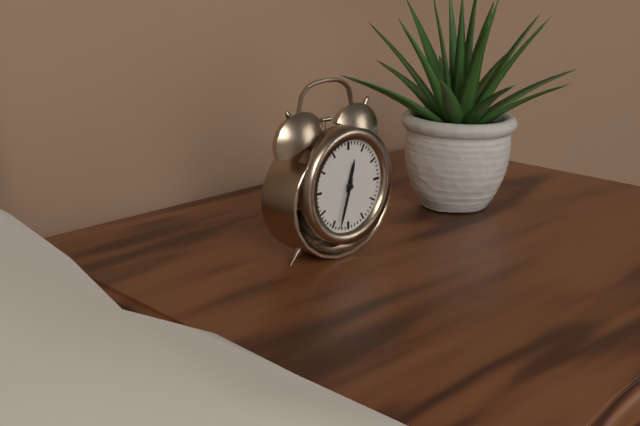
12:33
